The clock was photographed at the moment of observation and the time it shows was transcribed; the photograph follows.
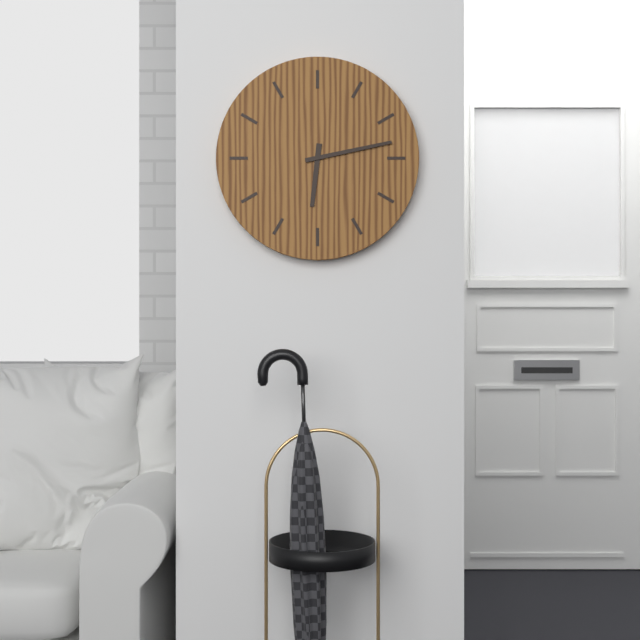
6:13
